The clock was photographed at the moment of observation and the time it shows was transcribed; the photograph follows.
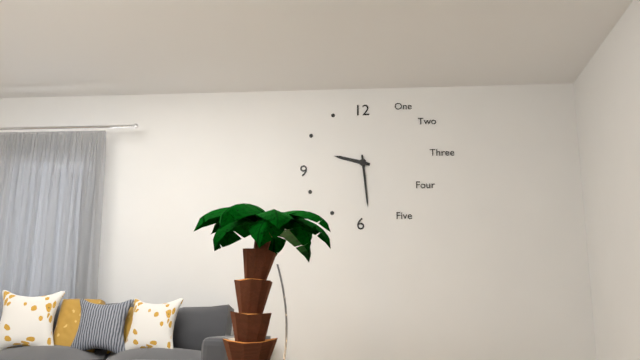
9:29
